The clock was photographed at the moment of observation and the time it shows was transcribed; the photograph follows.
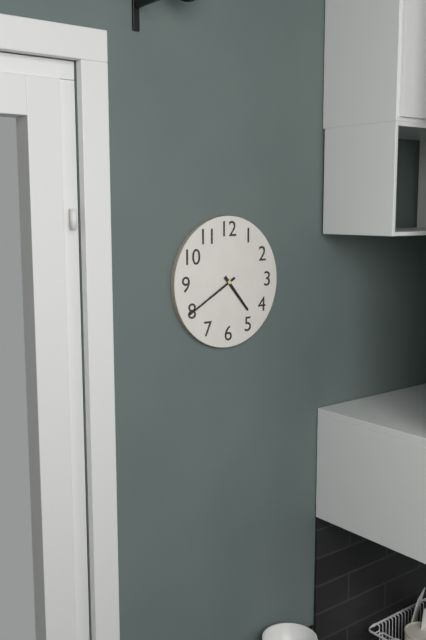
4:40
